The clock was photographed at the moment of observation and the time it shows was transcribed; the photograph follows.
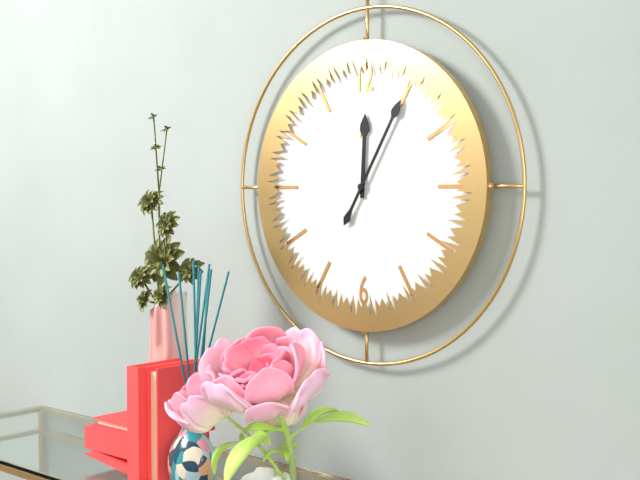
12:05
